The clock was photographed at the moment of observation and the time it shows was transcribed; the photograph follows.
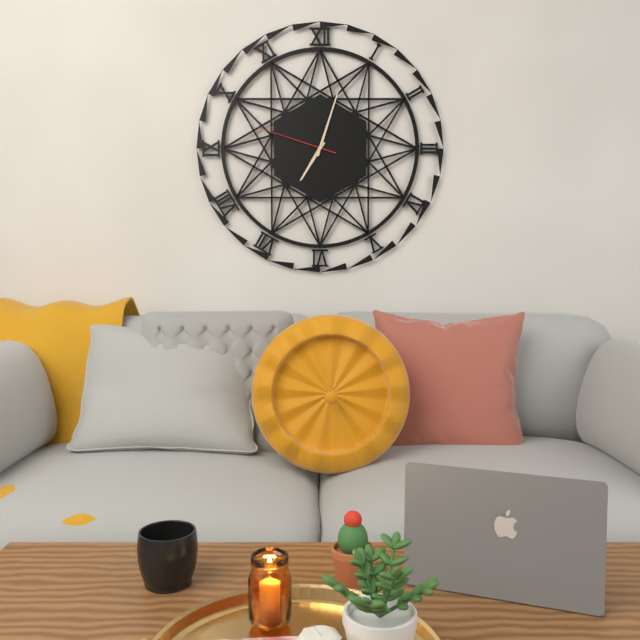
7:03:48
